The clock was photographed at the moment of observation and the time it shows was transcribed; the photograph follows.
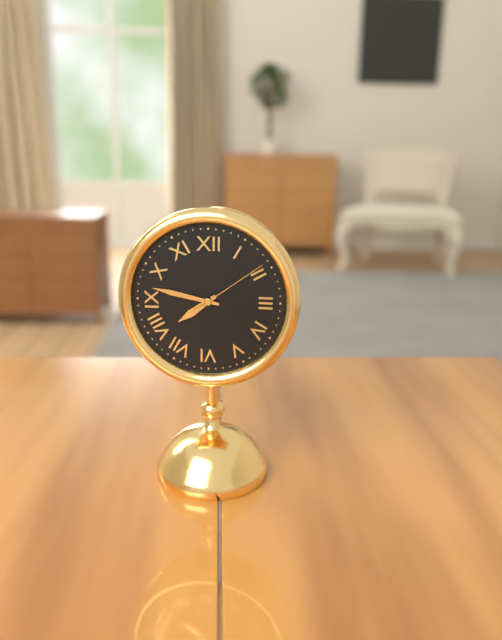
7:47:09
